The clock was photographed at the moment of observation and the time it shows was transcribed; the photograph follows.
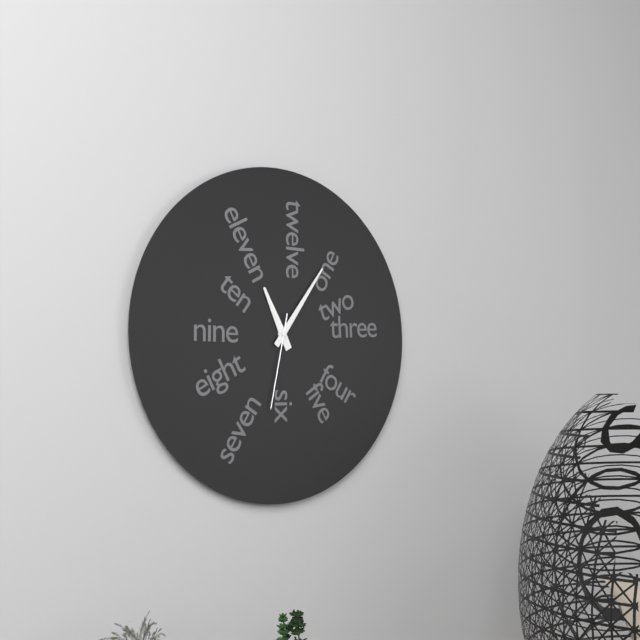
11:06:32
